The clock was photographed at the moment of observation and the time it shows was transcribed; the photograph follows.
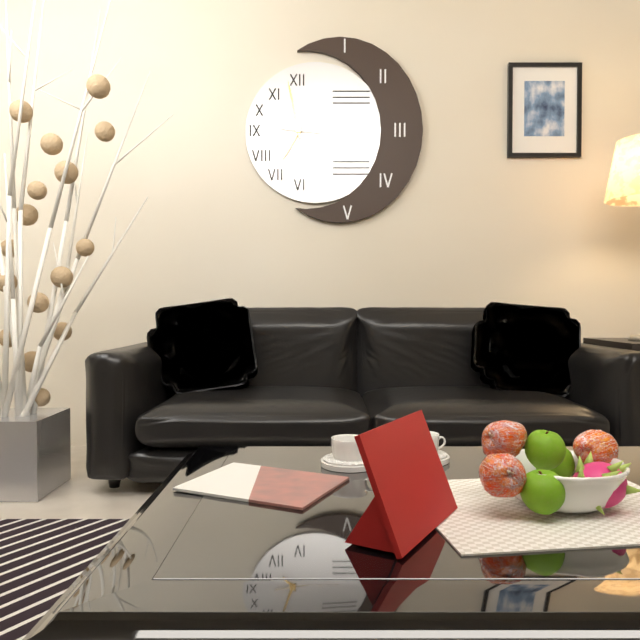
6:58:16
